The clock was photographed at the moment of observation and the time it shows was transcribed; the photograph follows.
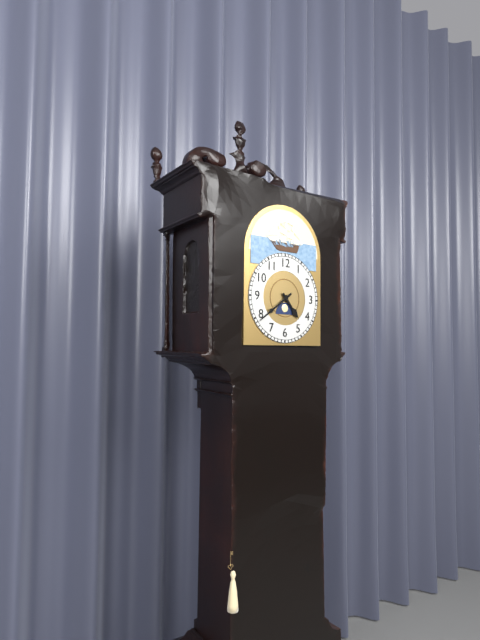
4:39
